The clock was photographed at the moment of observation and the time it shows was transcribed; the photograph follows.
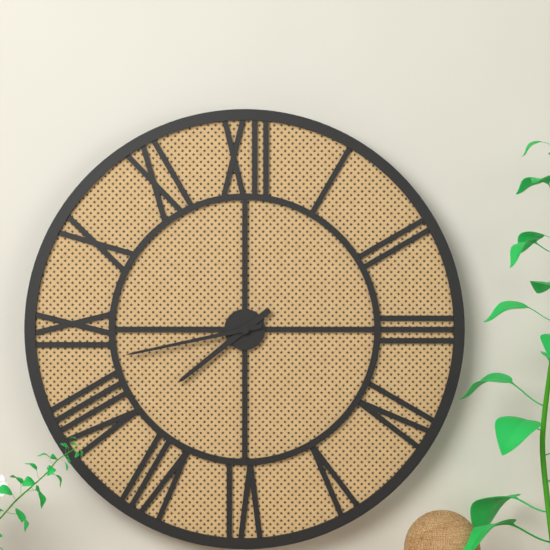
7:43
